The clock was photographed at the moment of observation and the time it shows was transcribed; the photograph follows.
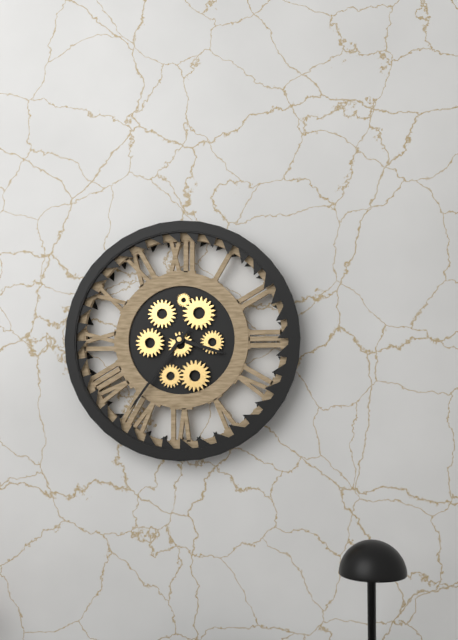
3:36
